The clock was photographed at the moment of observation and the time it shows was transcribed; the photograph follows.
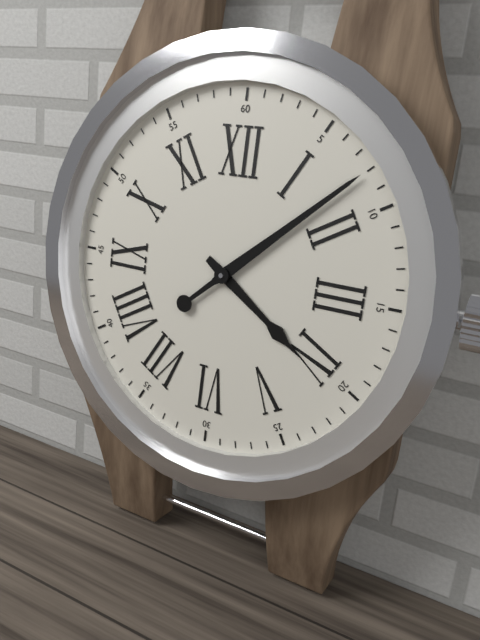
4:08
